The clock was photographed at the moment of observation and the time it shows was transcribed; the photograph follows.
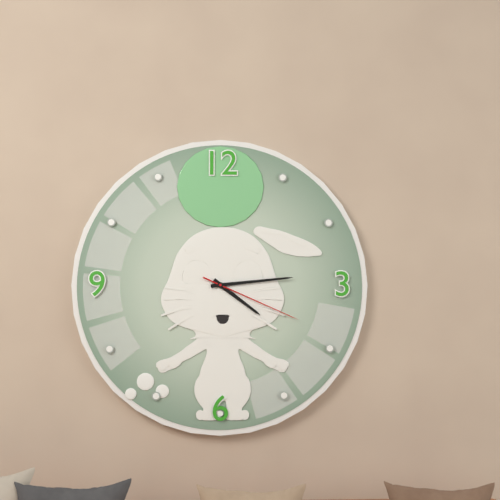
4:14:19
